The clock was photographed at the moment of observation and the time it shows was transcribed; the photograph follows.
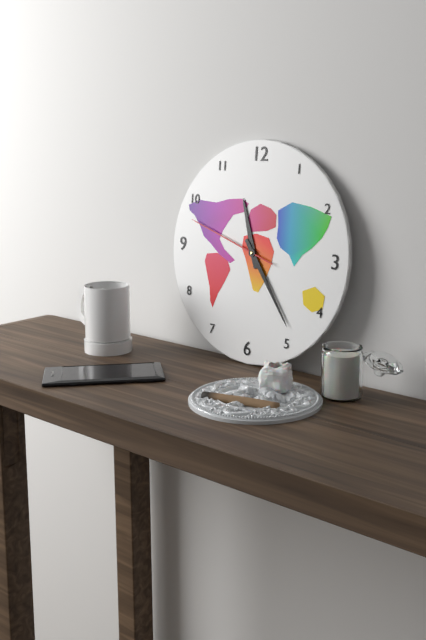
11:24:48
